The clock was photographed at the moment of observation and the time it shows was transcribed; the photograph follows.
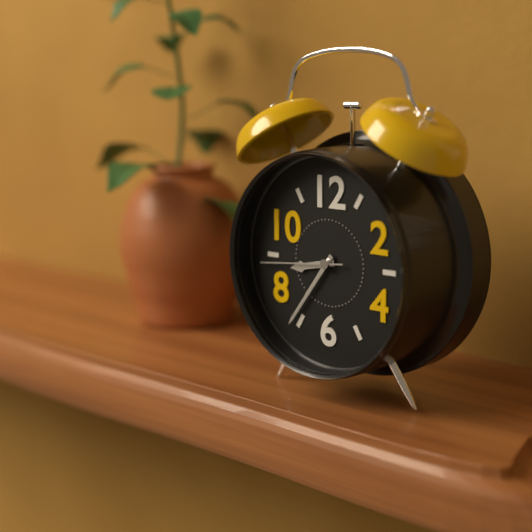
8:36:44
